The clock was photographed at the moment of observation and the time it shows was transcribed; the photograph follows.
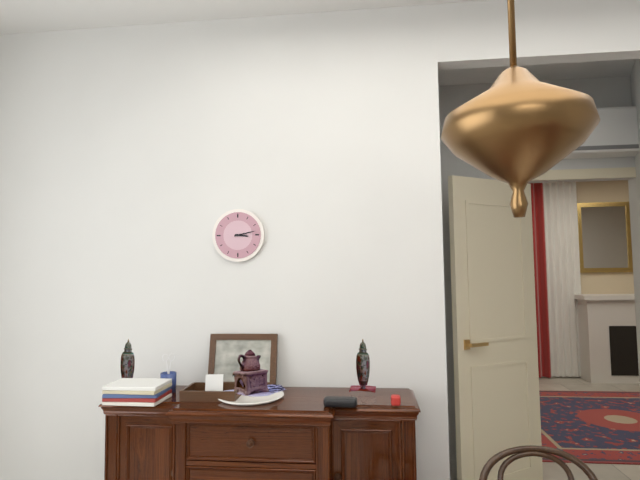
3:13
